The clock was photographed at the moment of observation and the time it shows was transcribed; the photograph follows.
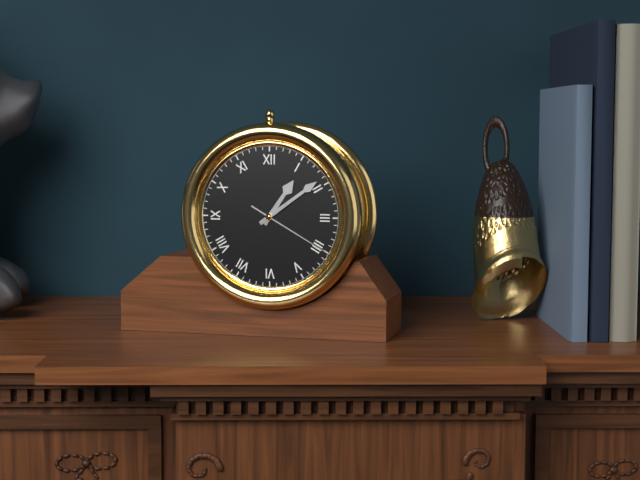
1:09:20
